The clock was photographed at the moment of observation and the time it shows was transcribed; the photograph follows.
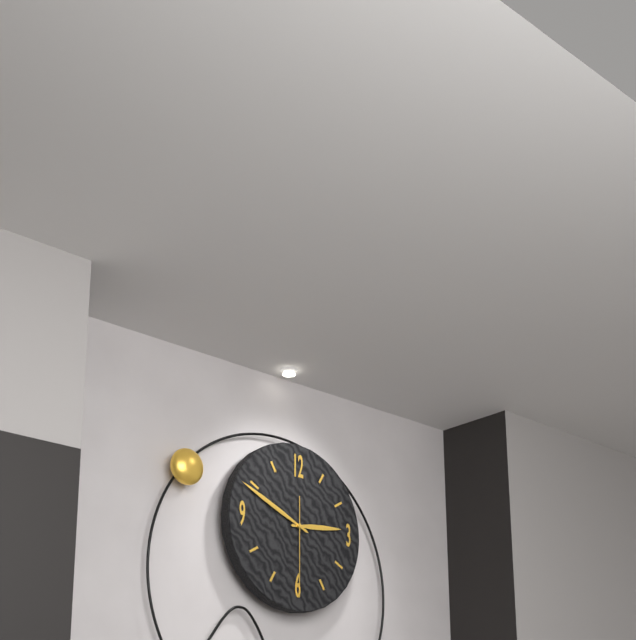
2:49:30
